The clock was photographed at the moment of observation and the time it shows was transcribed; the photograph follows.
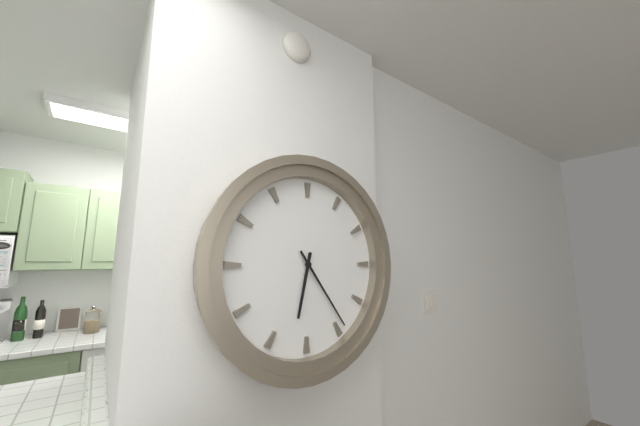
6:24
